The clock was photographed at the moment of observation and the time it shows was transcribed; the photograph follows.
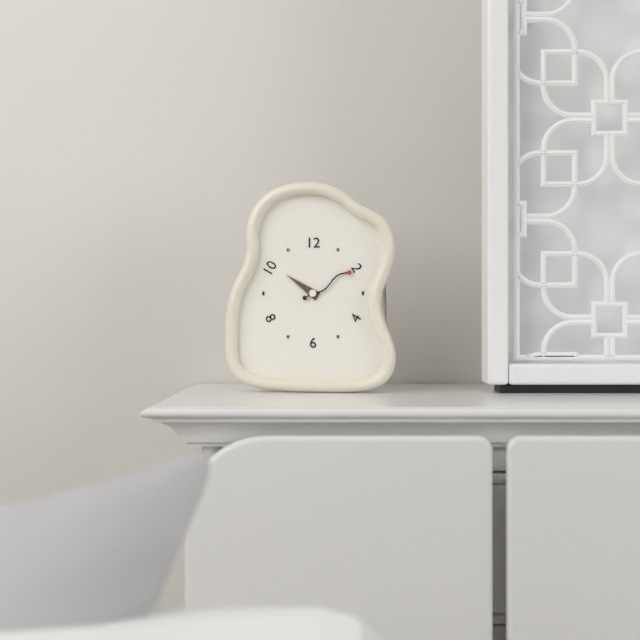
10:10
